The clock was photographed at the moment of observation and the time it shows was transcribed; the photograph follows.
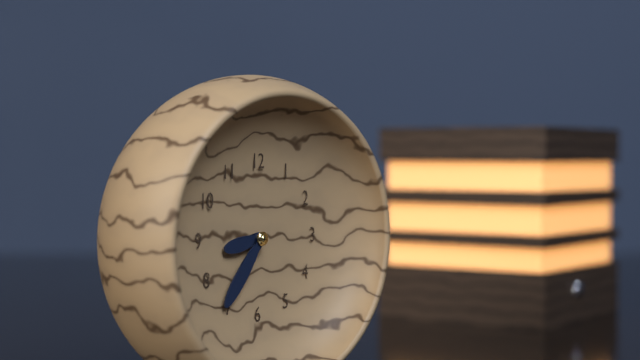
8:36
